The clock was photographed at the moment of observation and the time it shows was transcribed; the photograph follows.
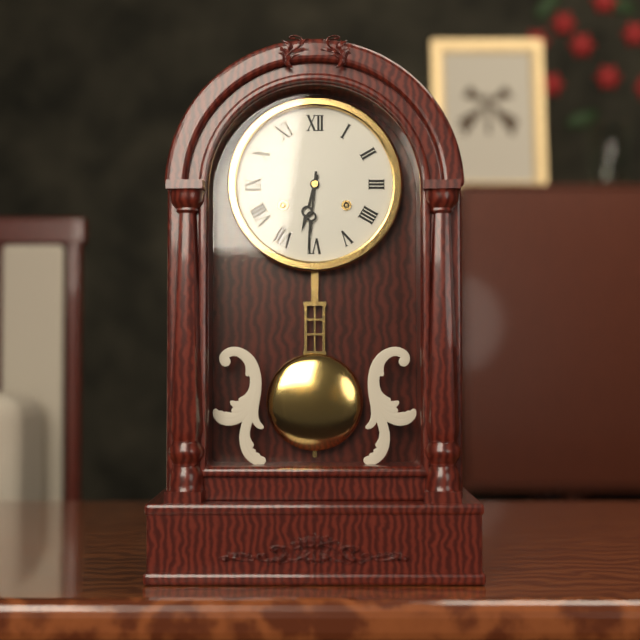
6:31
